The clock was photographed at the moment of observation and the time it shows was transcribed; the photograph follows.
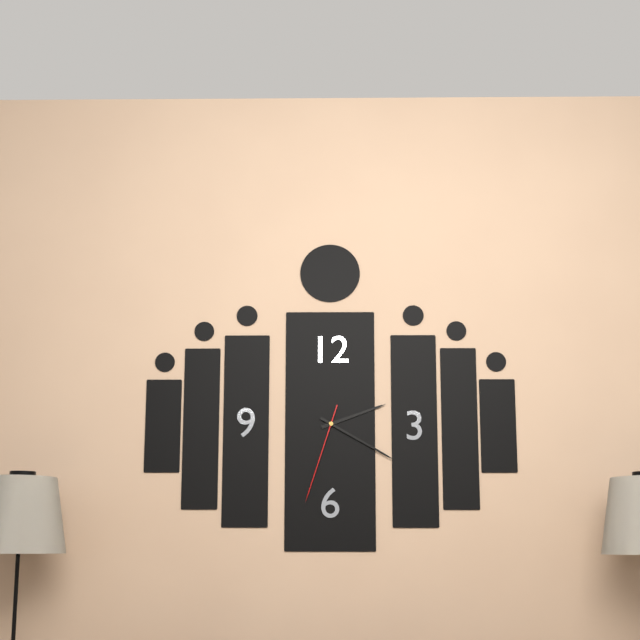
2:20:33
